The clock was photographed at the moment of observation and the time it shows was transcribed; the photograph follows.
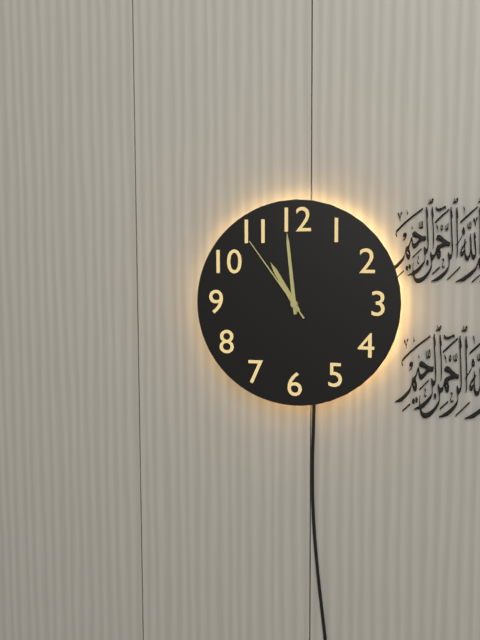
10:59:54
